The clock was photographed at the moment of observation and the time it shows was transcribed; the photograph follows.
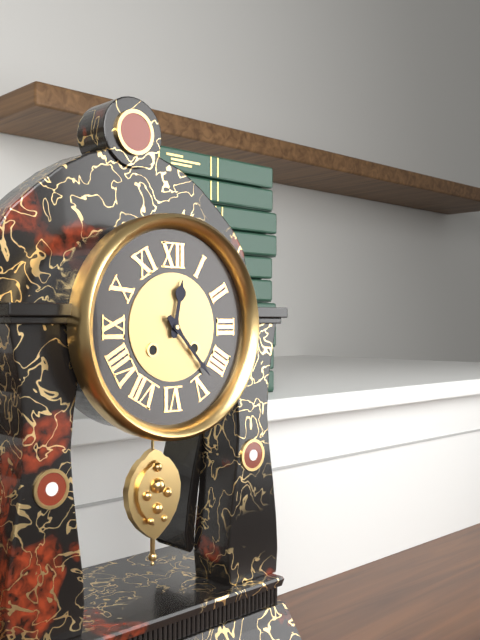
12:23
